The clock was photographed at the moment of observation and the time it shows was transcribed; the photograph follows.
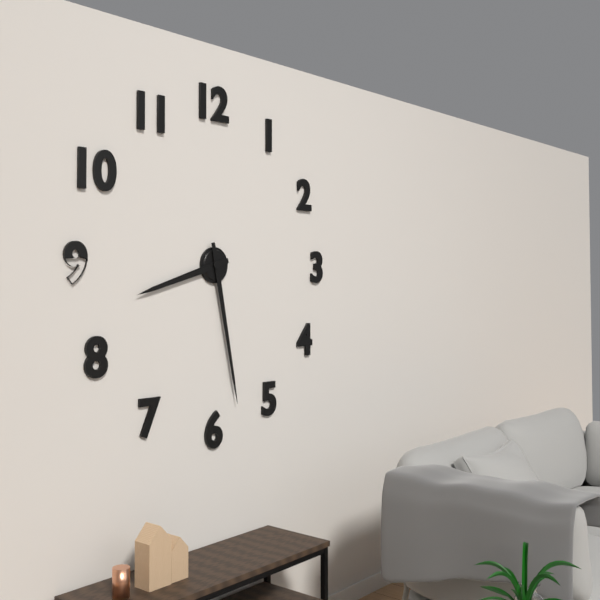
8:28
